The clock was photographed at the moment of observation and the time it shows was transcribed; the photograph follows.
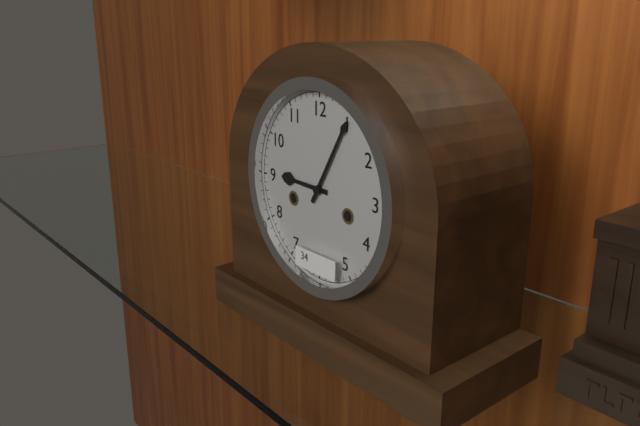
9:05
